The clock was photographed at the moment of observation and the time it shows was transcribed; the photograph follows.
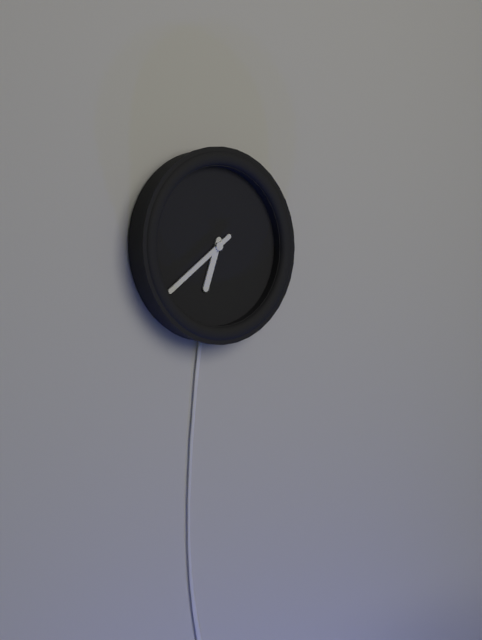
6:39
